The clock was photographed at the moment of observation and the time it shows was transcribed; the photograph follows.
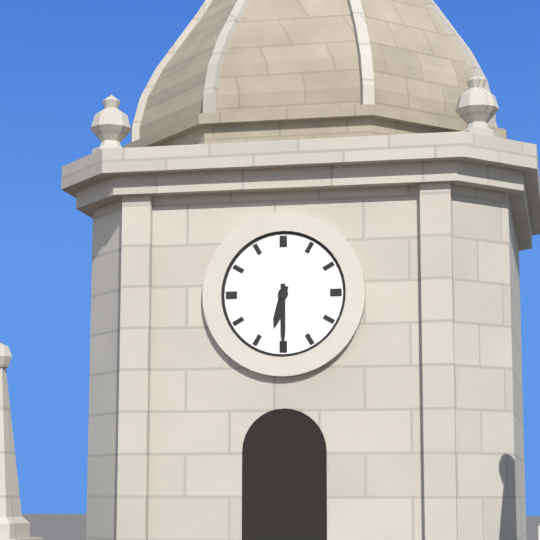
6:30
